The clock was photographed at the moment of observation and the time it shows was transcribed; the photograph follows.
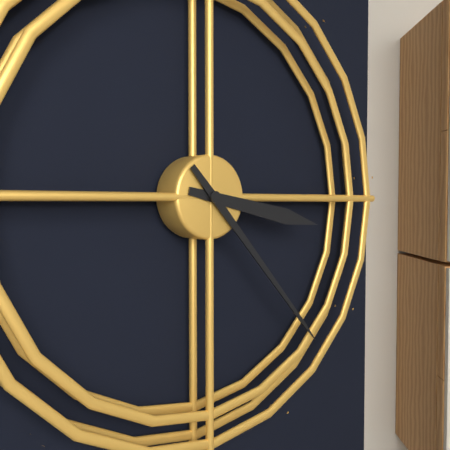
3:23
